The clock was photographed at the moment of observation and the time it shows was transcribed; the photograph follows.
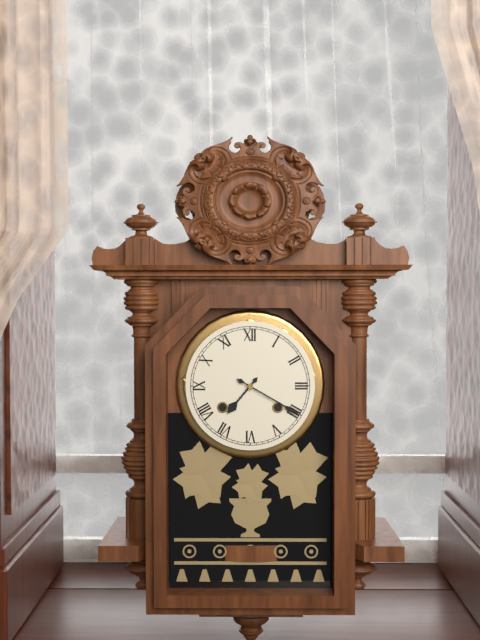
7:20
